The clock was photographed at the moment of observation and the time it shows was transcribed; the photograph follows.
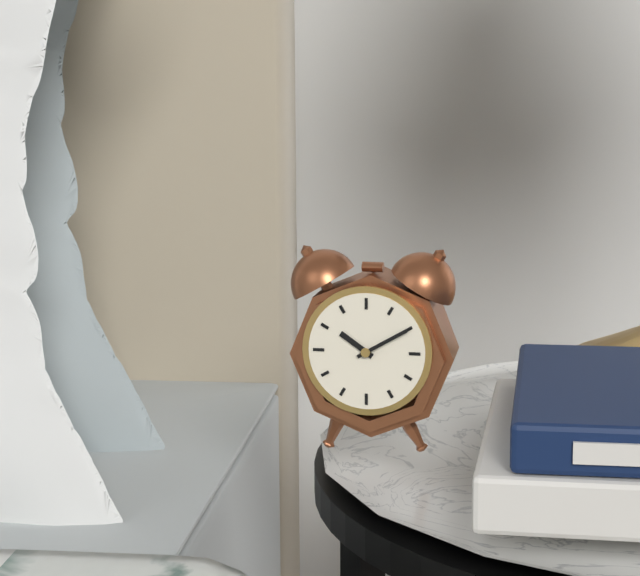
10:10
